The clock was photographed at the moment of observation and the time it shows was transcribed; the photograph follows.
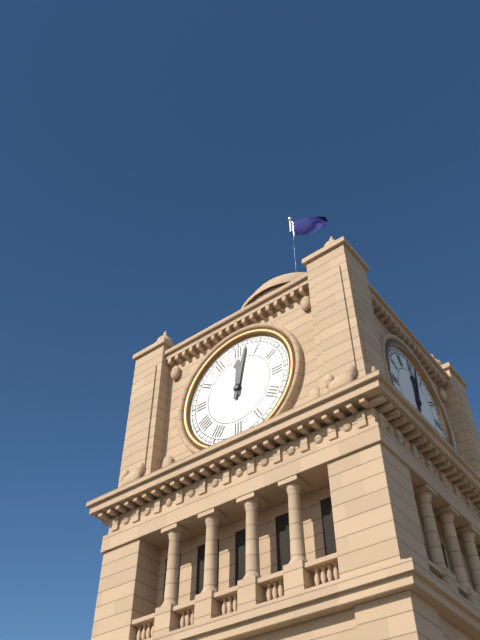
12:02
